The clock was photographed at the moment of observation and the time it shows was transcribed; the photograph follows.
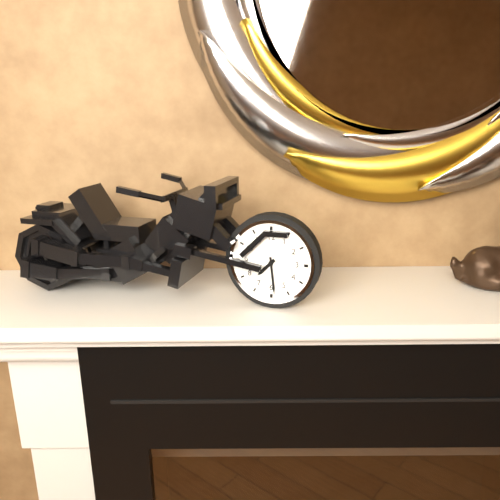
7:29
